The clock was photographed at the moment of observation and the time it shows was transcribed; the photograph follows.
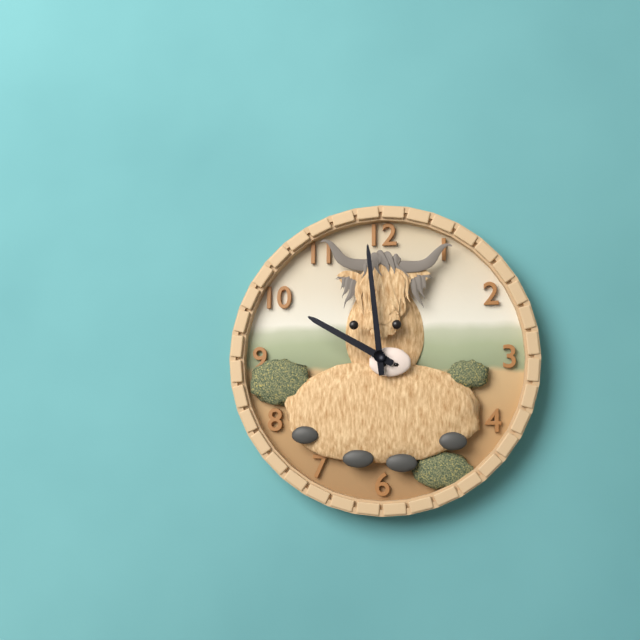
9:59
